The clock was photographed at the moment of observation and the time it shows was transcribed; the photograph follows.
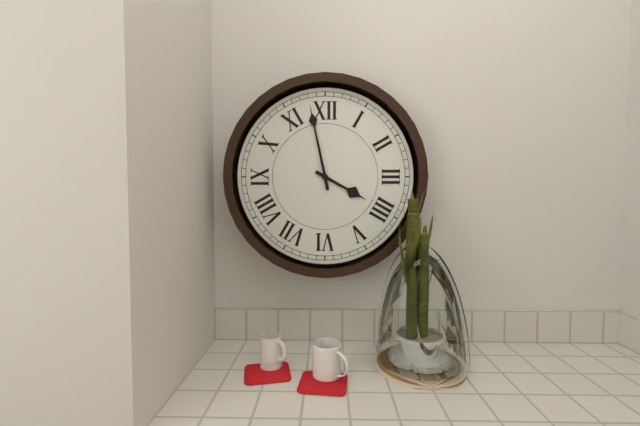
3:58
